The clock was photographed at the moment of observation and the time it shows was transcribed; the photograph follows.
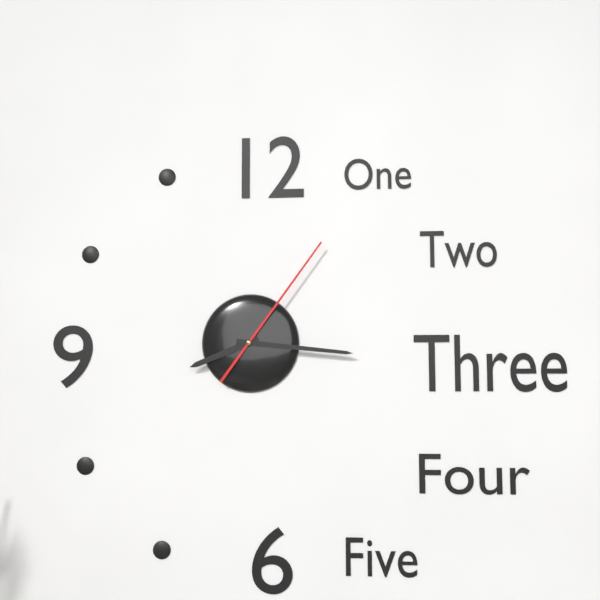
8:16:06
